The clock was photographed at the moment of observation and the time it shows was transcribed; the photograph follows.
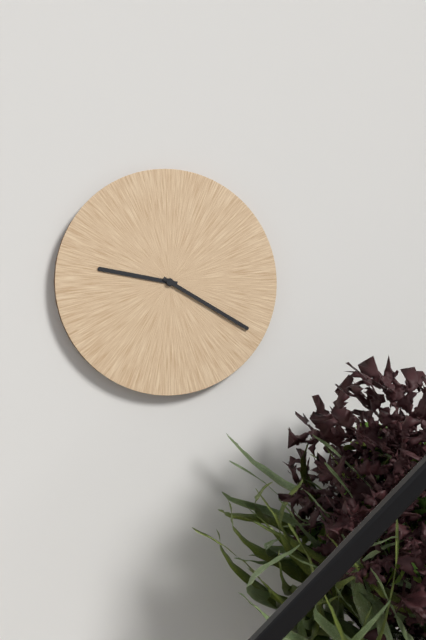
9:20
